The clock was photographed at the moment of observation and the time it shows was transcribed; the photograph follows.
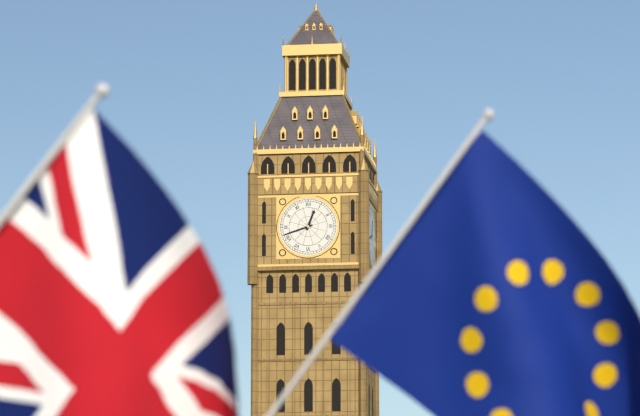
12:42
